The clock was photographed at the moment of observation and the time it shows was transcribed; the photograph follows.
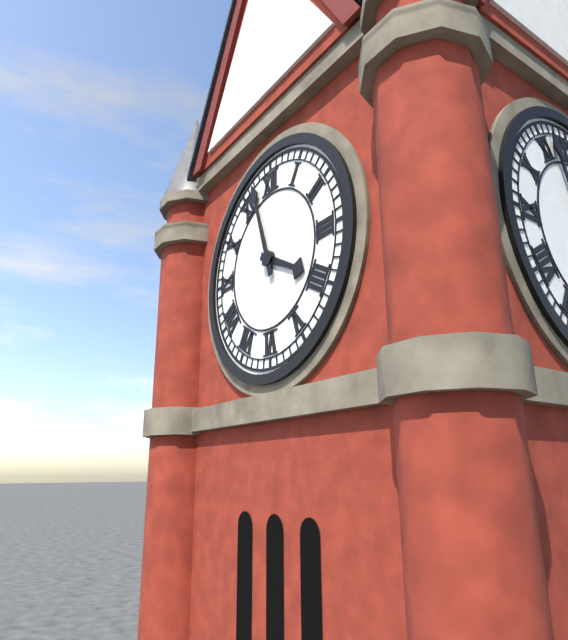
3:57
